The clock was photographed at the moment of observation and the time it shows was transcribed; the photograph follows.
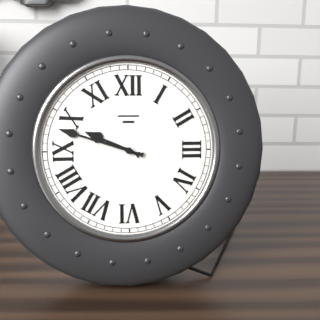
9:48
